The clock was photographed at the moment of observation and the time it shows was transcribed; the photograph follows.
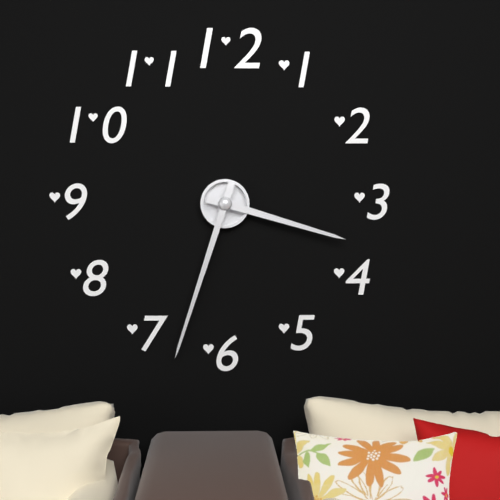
3:33
